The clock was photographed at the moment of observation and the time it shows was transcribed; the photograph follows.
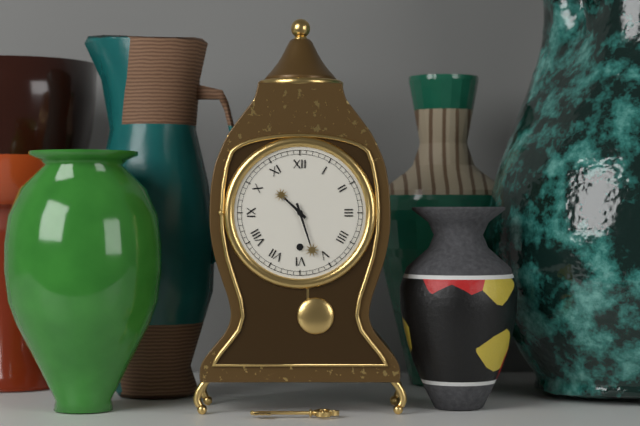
10:27
